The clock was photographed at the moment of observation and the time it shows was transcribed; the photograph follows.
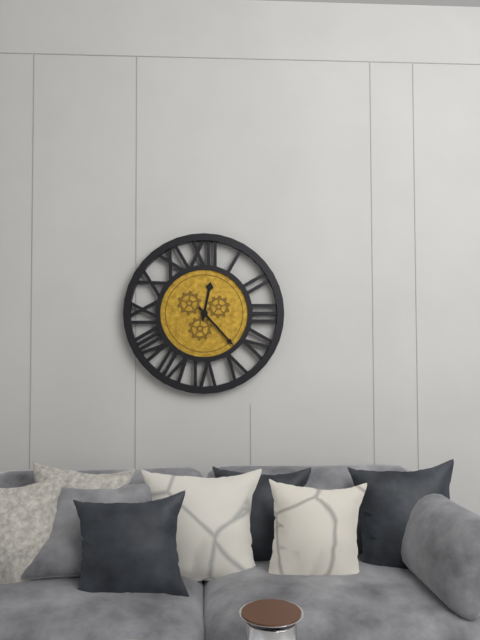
12:23
